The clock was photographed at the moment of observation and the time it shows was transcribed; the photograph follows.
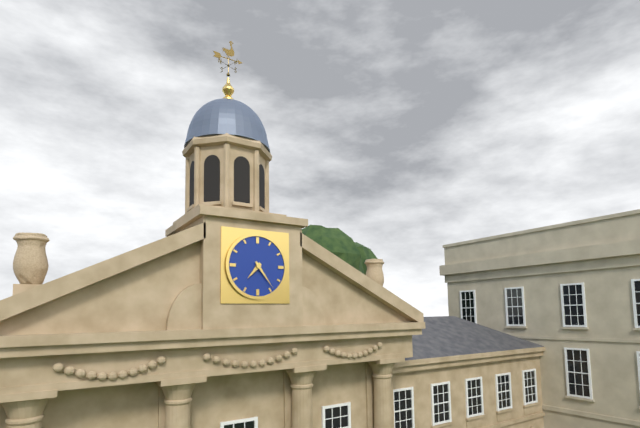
7:24
